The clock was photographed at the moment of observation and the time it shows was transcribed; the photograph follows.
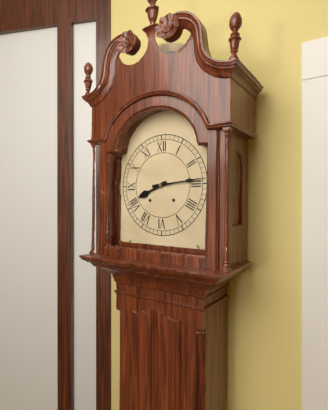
8:14
